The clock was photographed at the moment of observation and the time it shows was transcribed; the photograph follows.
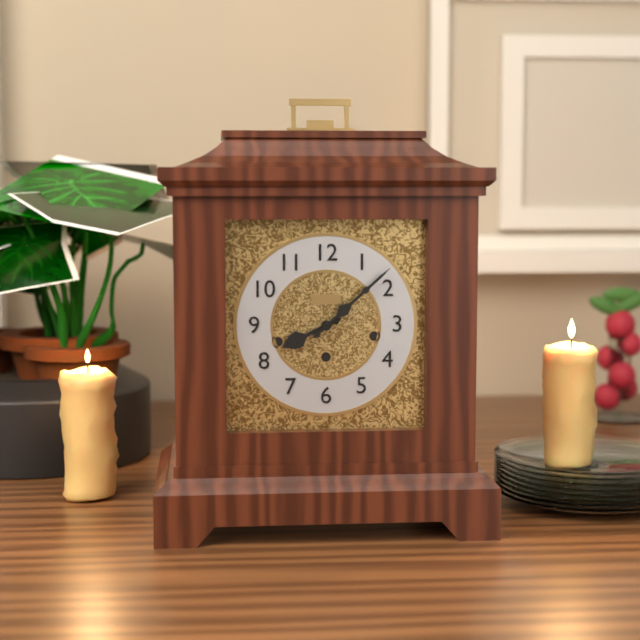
8:08
